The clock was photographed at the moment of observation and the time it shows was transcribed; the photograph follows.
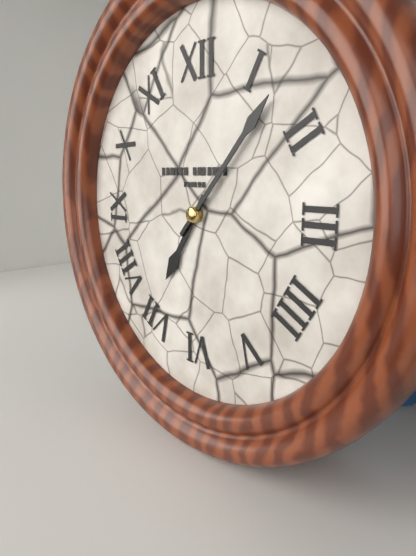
7:07
